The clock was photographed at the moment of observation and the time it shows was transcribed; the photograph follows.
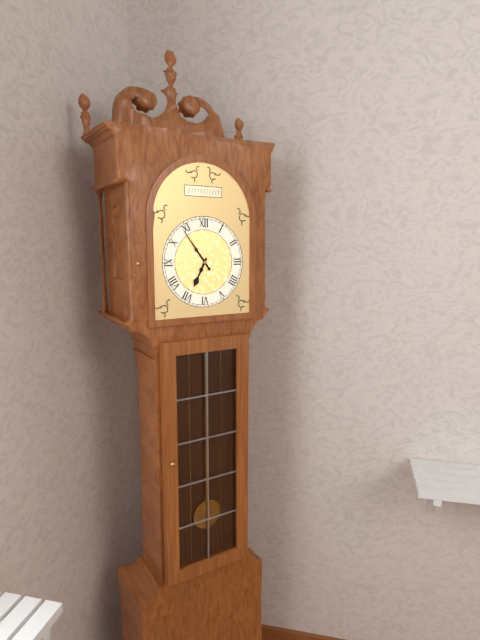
6:54
